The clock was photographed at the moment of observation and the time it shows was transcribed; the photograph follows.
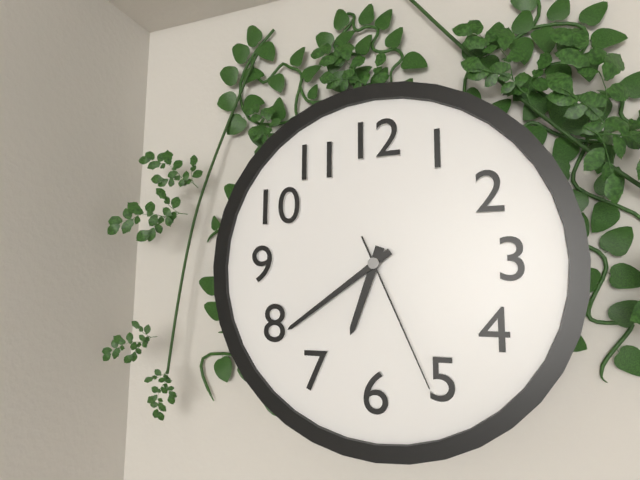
6:39:26
